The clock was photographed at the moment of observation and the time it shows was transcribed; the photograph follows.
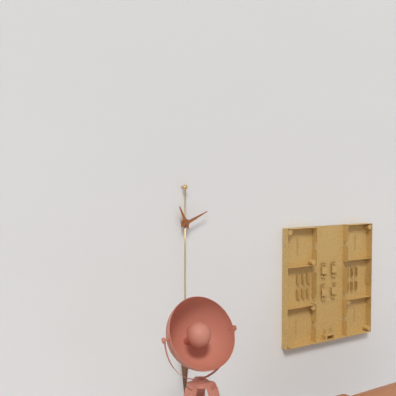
11:11
